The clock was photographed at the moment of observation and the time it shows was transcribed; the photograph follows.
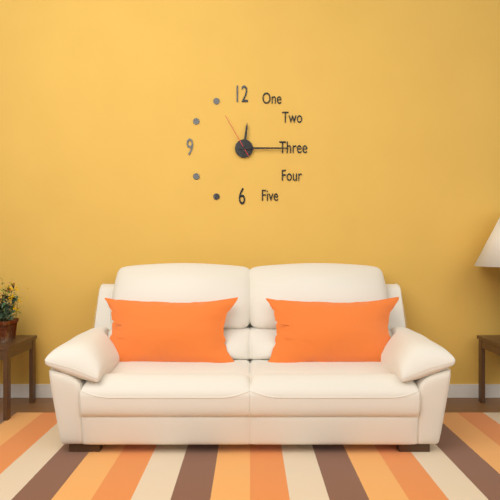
12:15
